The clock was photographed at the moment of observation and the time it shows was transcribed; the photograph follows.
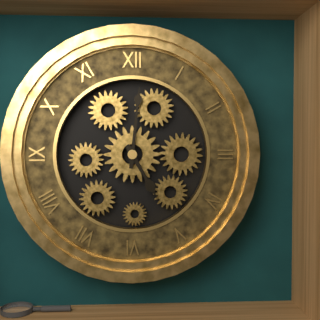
5:01
